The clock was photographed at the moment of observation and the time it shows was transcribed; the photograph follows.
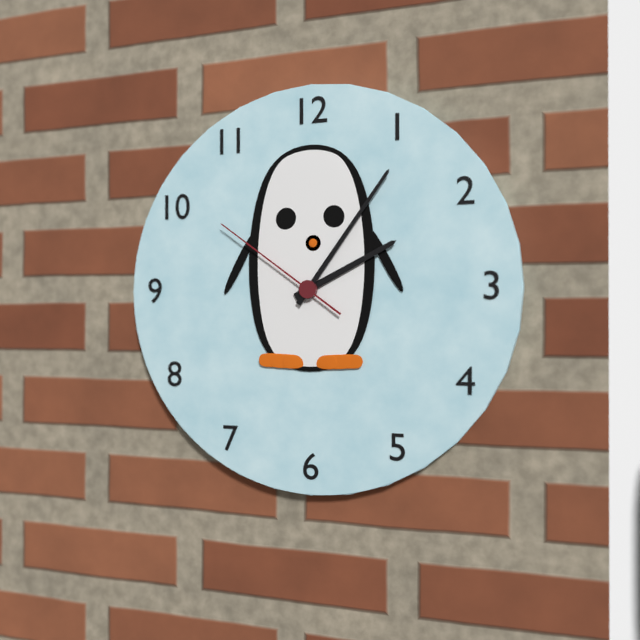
2:06:51
